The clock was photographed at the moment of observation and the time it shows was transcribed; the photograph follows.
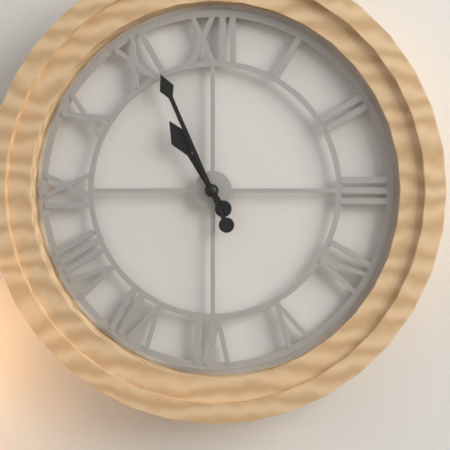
10:56
